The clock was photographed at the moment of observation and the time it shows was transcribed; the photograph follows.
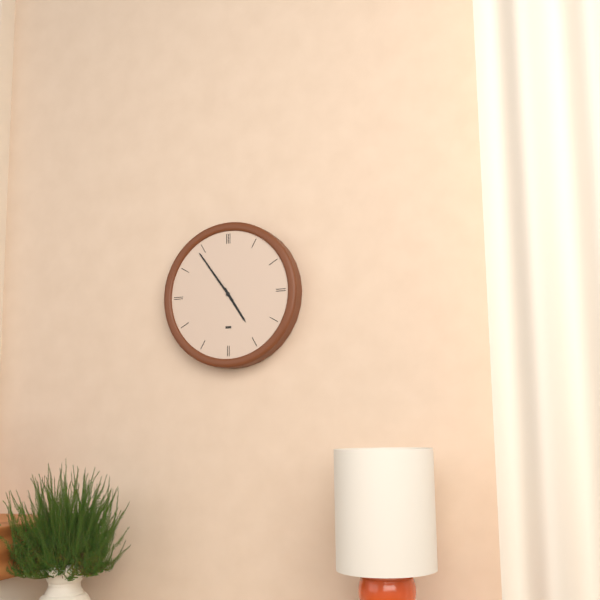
4:54
